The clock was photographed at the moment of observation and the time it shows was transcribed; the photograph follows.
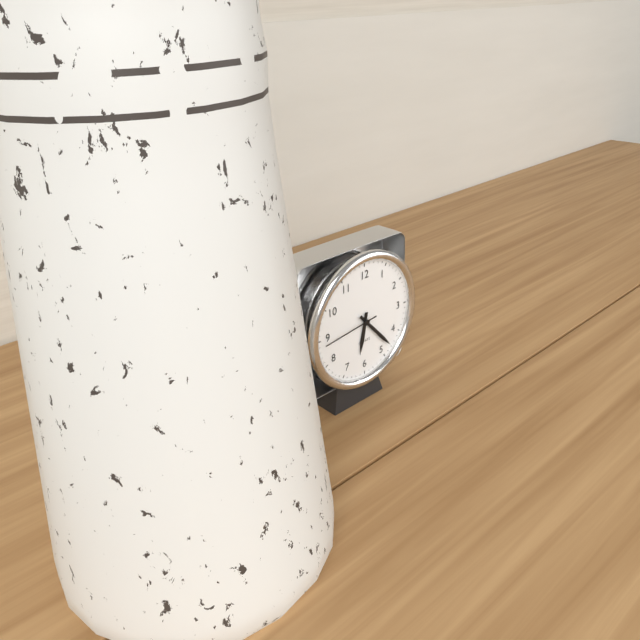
6:23:44
